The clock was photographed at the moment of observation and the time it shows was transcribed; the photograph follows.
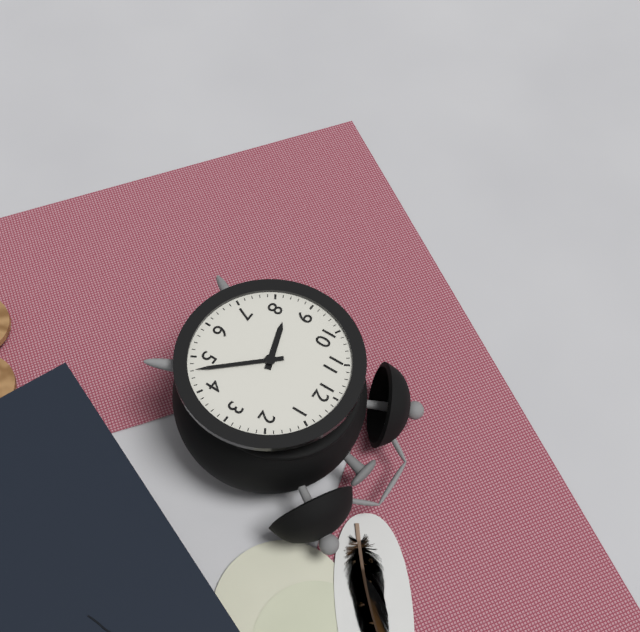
8:23
